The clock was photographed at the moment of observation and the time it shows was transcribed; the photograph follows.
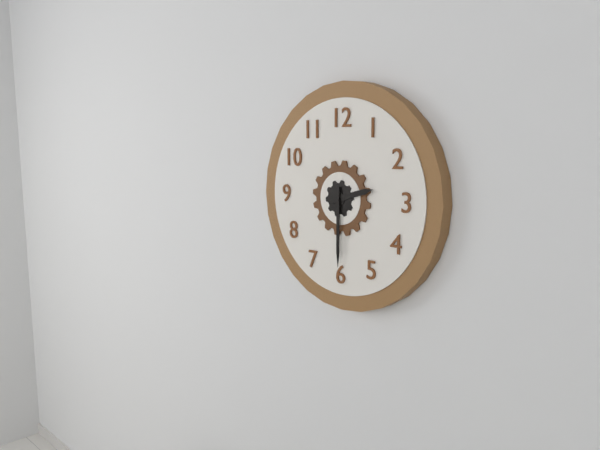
2:30
